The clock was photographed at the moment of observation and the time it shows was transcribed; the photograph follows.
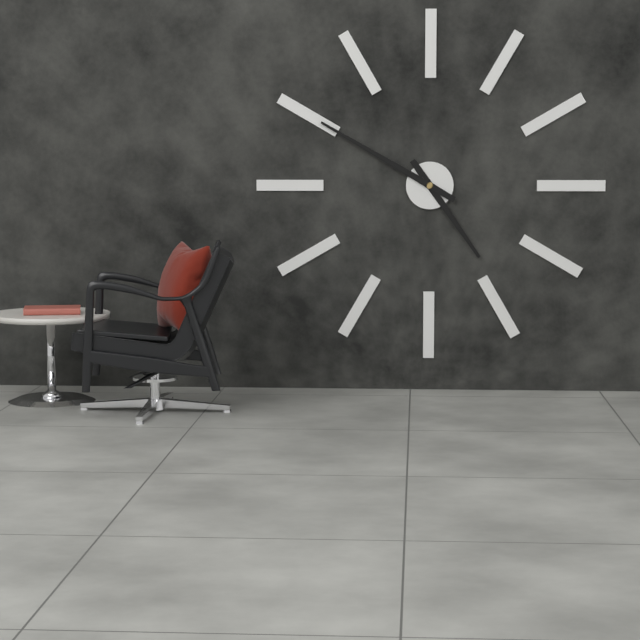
4:50
